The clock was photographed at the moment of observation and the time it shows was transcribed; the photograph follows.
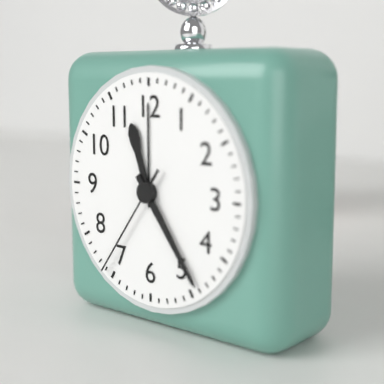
11:24:36
